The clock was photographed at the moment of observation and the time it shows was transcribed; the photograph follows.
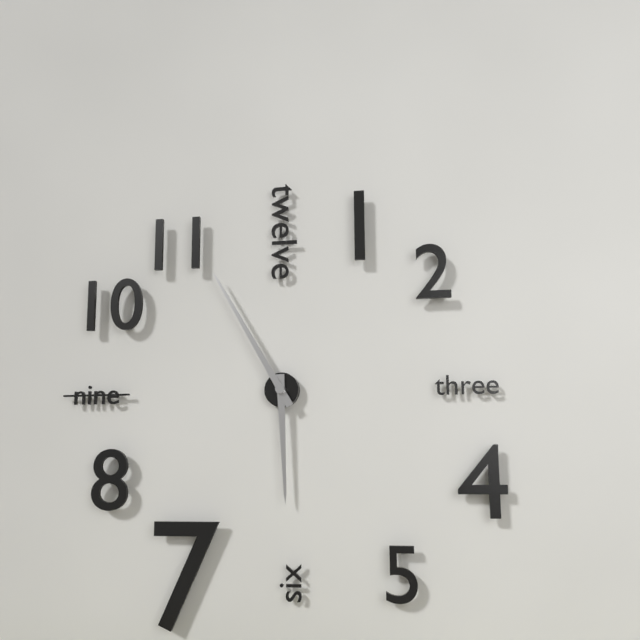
5:55
